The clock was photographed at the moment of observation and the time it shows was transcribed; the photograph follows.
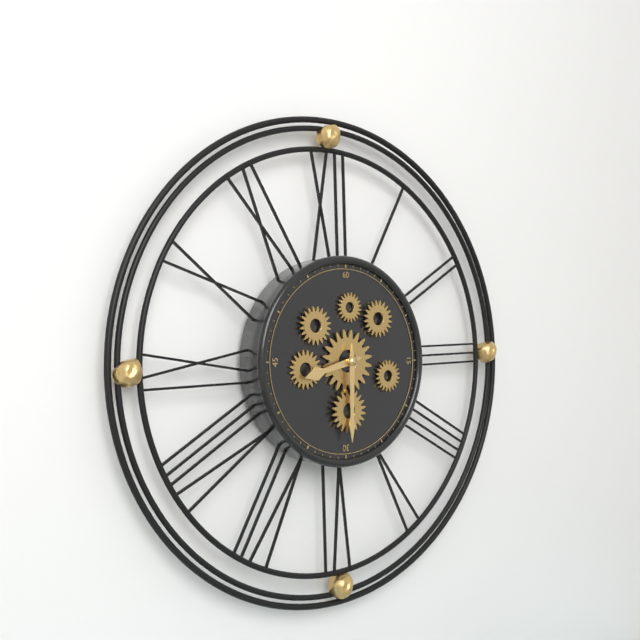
8:30
